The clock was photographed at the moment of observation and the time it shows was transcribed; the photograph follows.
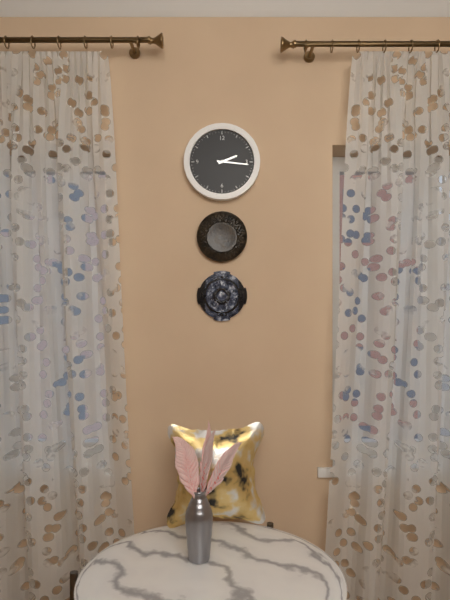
2:16
